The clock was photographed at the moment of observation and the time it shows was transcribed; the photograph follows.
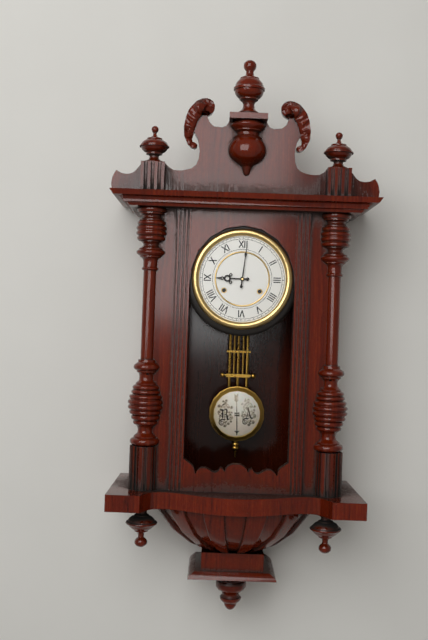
9:01
